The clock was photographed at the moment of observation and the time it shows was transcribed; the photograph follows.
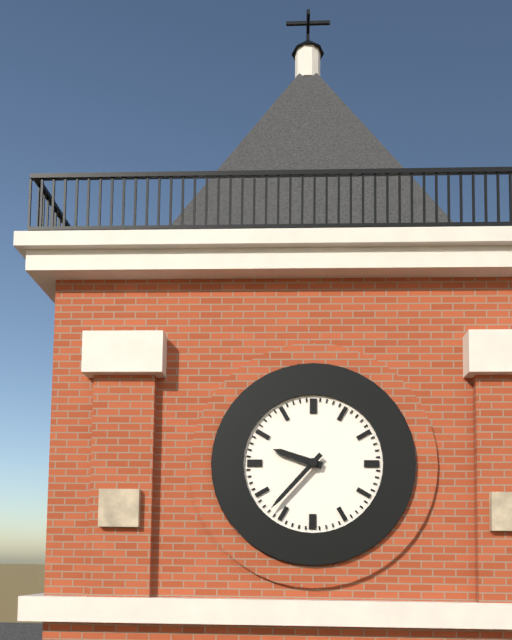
9:37
